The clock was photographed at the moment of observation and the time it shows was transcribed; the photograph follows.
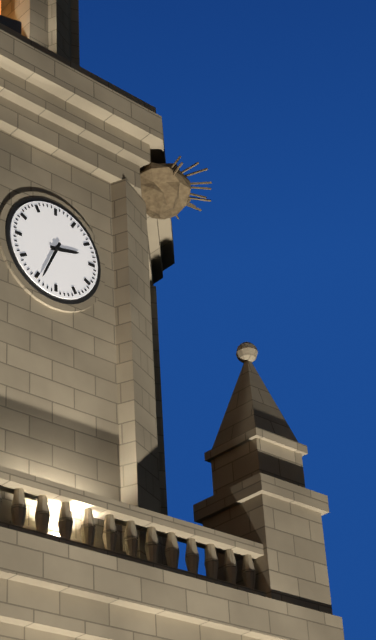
2:34
